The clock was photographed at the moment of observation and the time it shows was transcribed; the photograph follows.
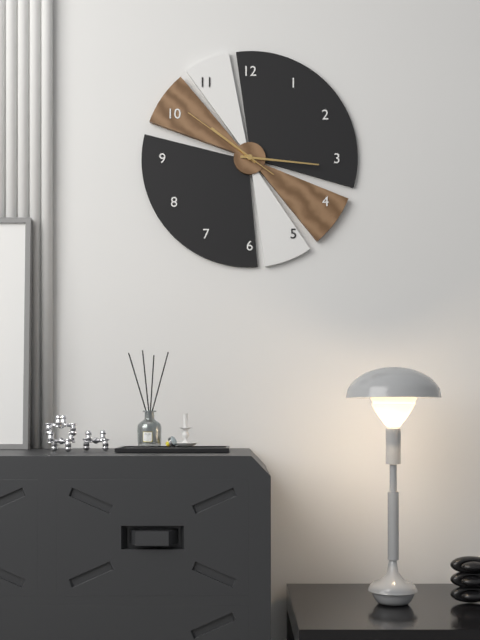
10:16:51
